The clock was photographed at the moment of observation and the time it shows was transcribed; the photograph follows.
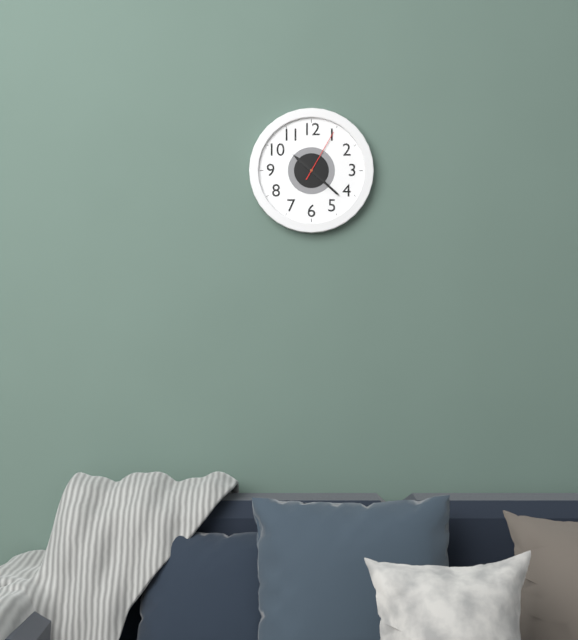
10:22:05
